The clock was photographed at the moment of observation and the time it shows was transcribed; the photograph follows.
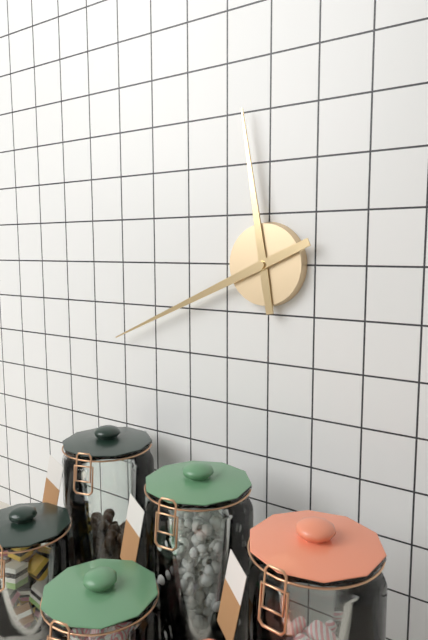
11:41
